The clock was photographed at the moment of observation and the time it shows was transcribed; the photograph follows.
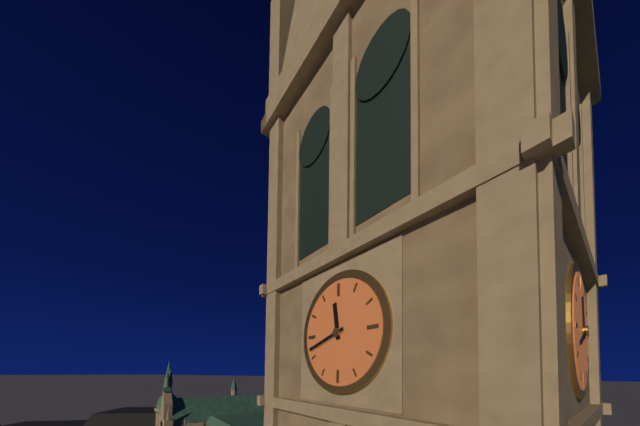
11:42
